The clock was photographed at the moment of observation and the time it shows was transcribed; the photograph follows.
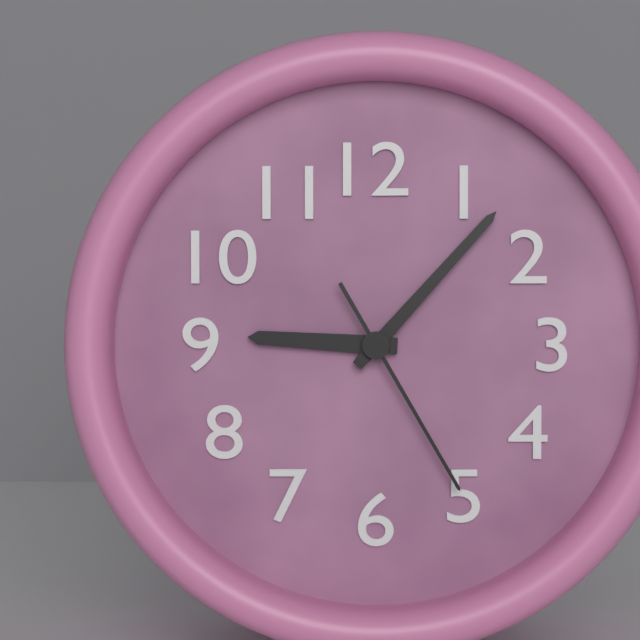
9:07:25
